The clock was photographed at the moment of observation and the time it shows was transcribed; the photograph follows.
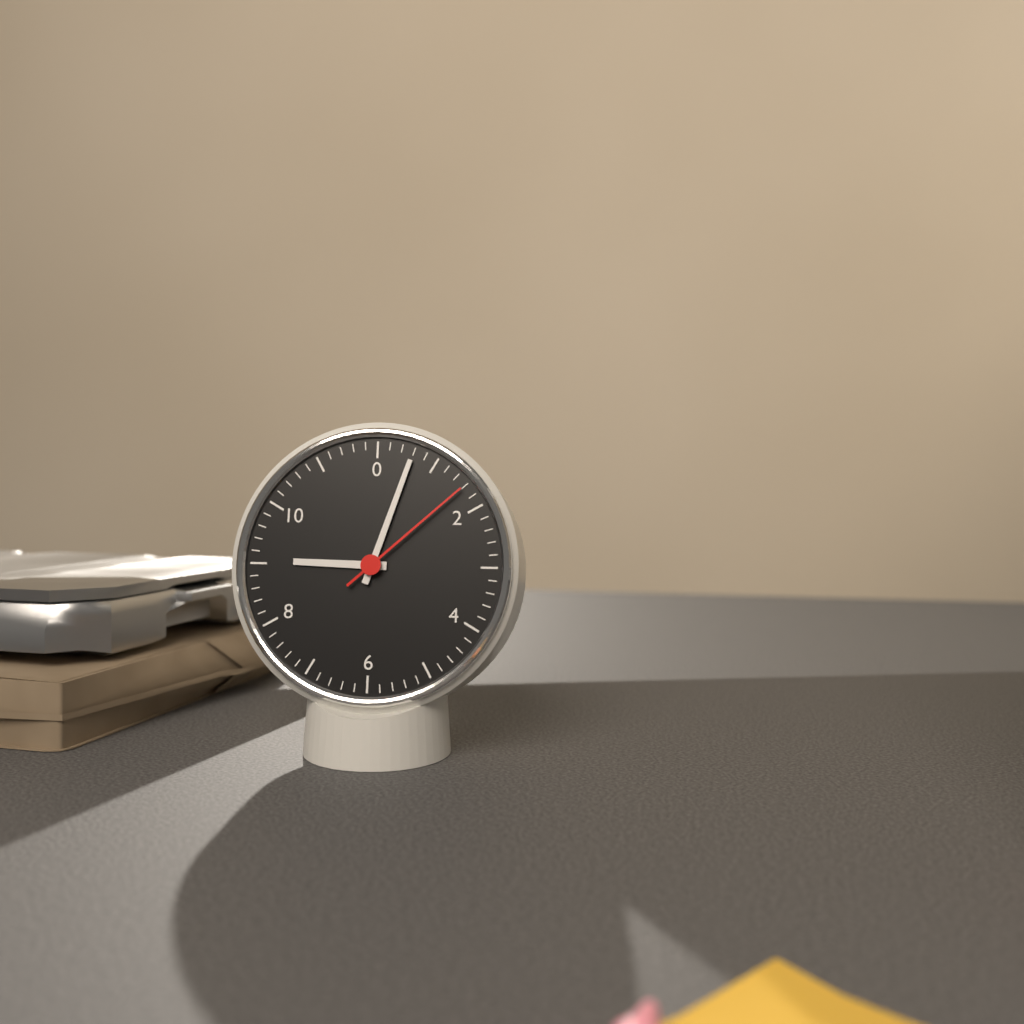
9:03:08
